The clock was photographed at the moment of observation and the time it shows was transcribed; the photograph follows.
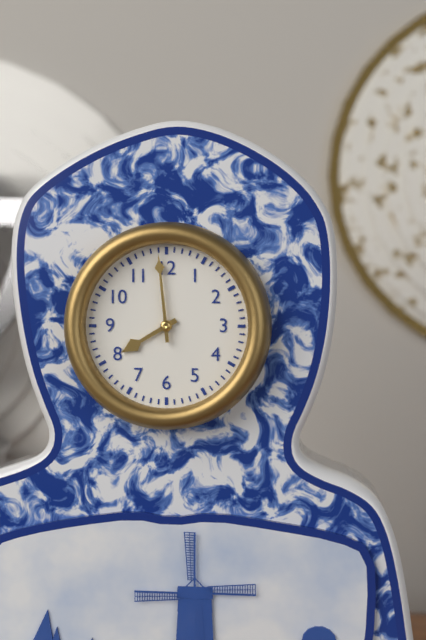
7:59
